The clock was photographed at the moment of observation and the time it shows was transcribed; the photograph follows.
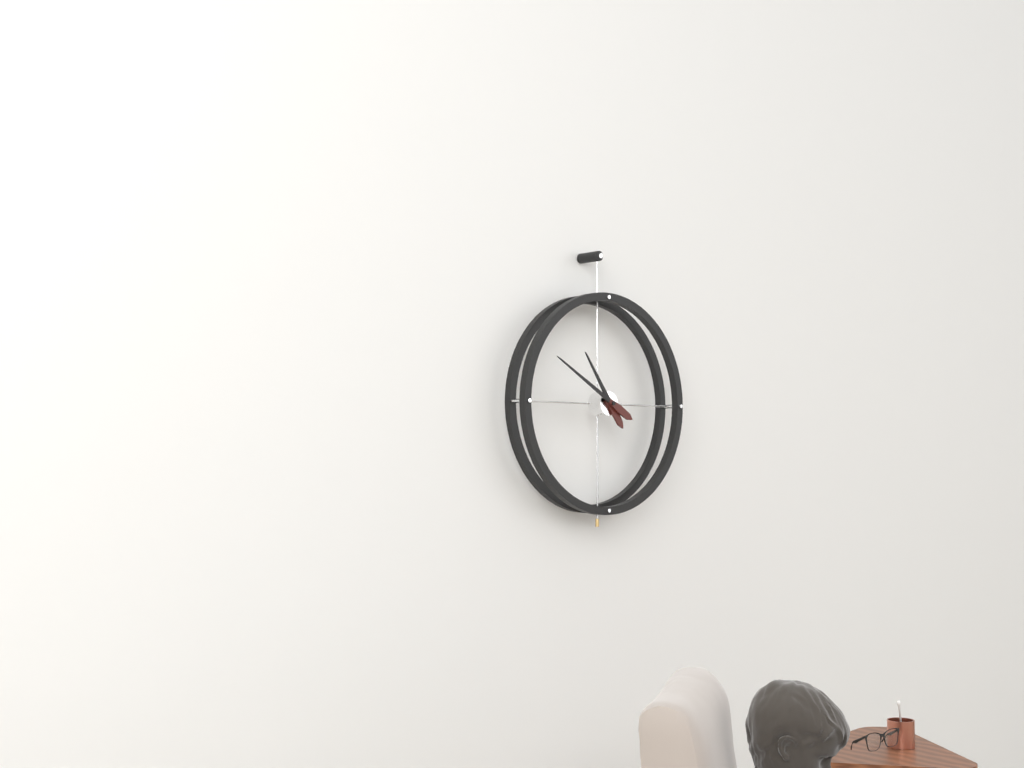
10:50
